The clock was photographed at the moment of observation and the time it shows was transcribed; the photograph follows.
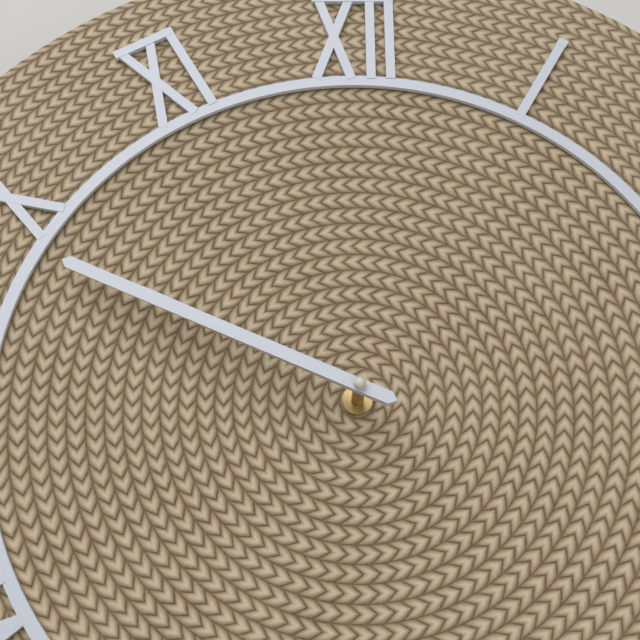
9:49
